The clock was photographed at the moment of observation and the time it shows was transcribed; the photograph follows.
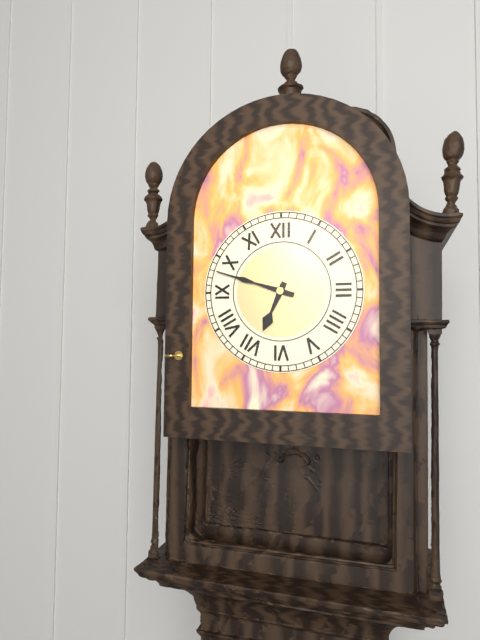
6:48
